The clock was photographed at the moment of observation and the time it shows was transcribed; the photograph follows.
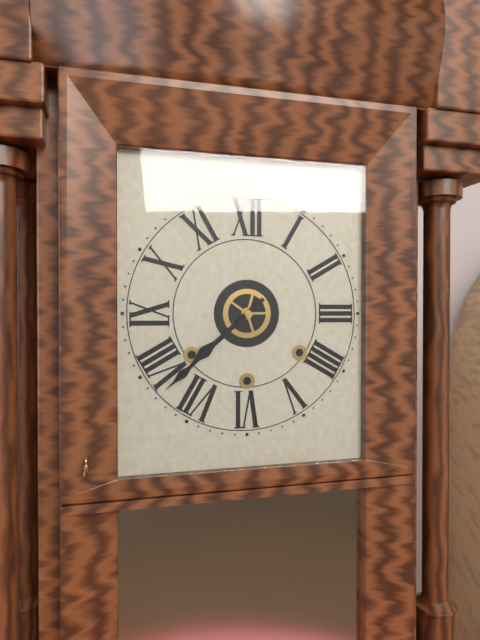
7:38
